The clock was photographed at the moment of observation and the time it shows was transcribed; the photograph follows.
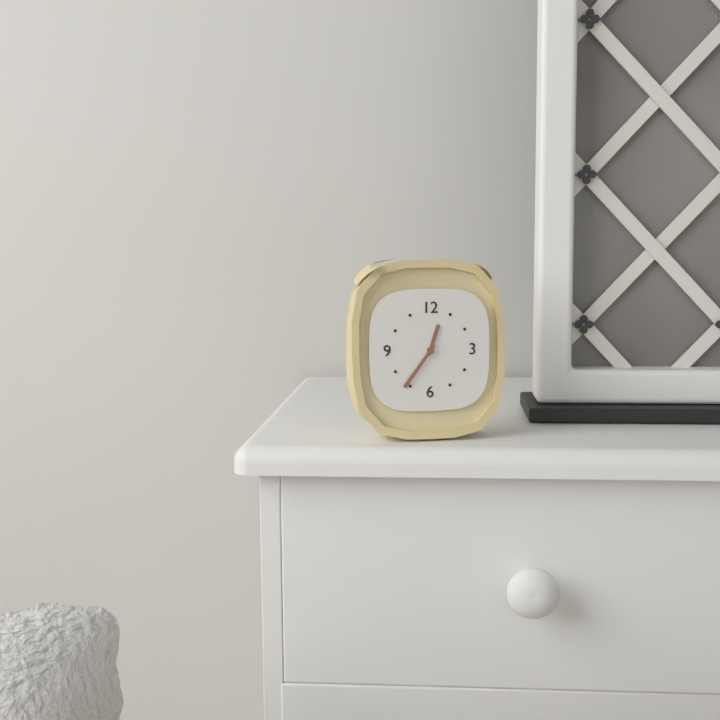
12:36
